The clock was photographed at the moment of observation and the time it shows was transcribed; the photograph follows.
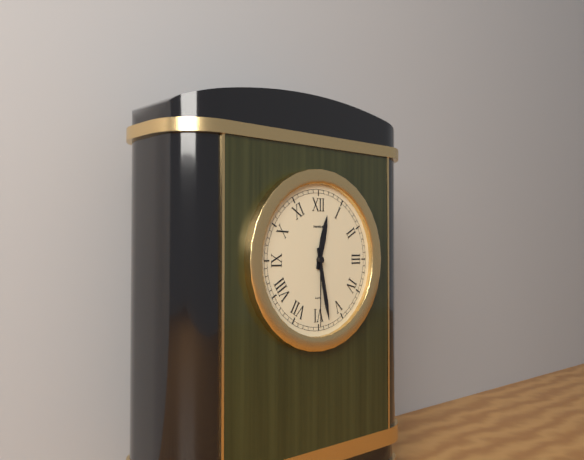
12:28:30
